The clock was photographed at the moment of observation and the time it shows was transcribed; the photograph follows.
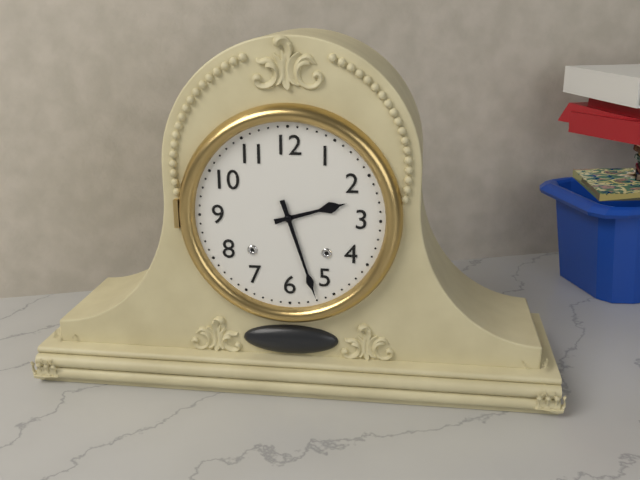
2:27
